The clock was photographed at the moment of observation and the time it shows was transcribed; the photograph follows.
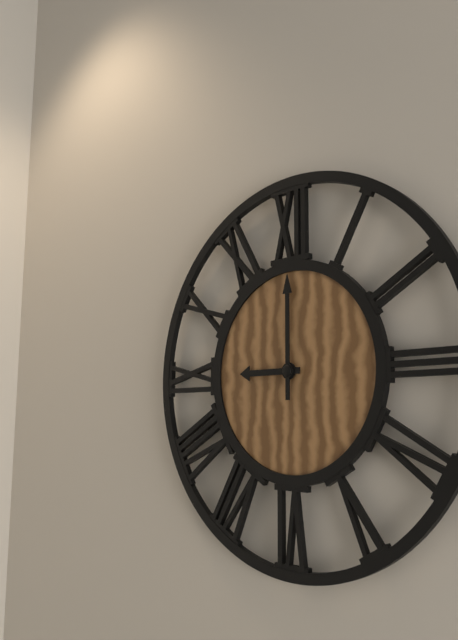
9:00
